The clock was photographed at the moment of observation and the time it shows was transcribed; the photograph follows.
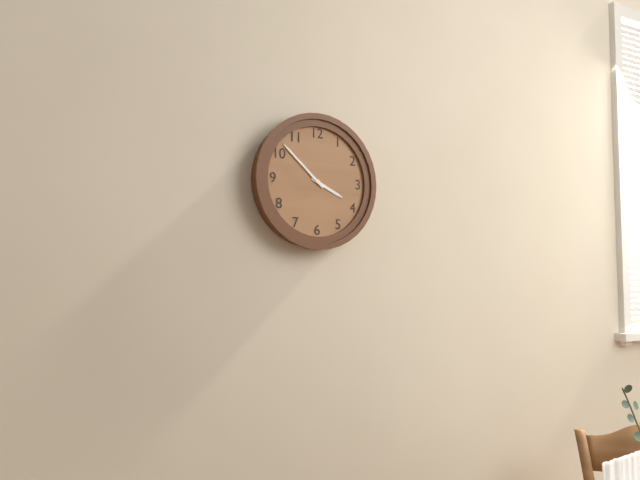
3:52
